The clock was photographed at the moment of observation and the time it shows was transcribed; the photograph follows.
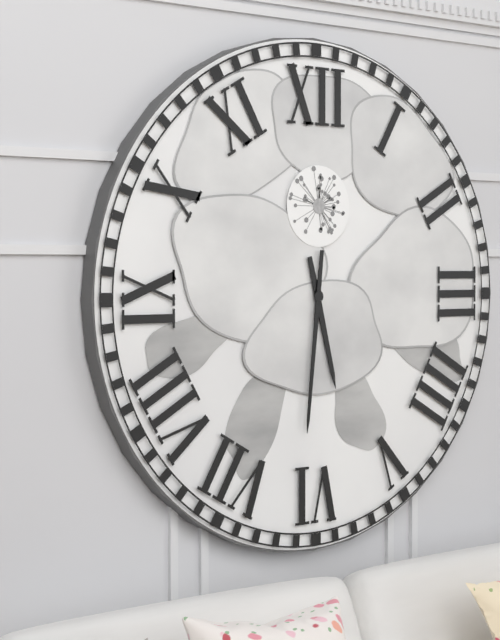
5:31
